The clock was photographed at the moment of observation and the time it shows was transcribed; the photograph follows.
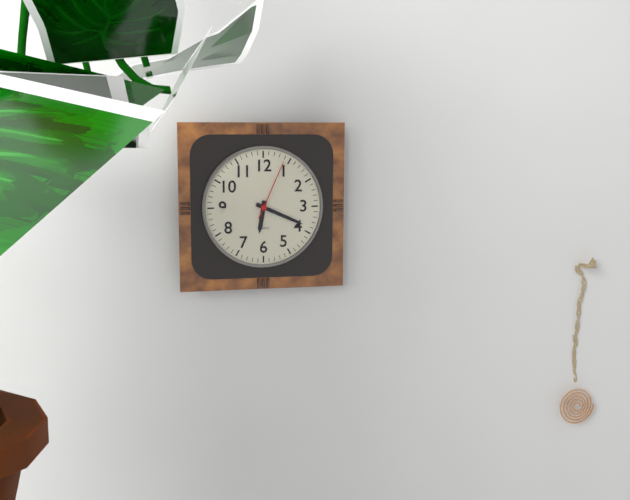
6:19:04
